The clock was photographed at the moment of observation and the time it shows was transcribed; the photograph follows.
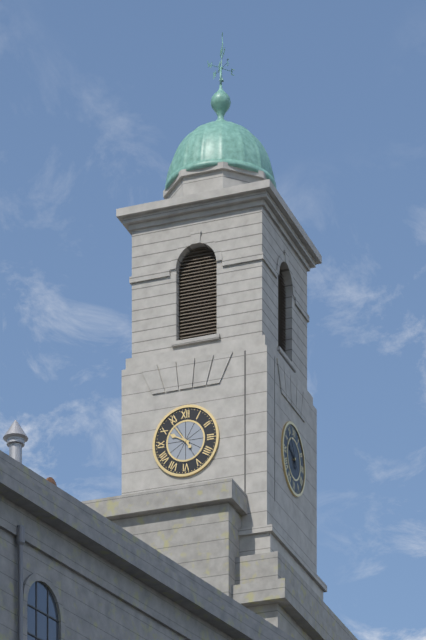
9:54
